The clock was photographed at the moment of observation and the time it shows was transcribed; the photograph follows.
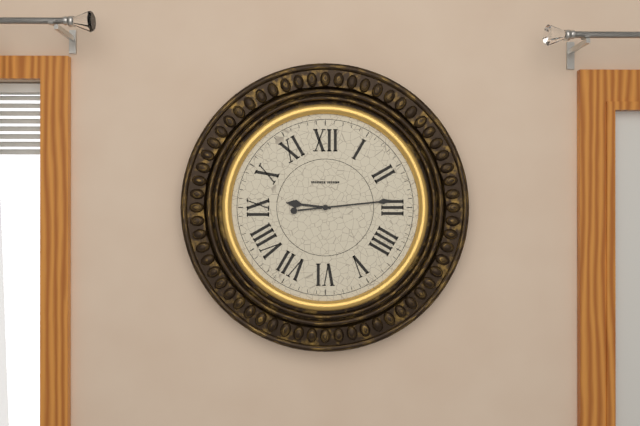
9:14
